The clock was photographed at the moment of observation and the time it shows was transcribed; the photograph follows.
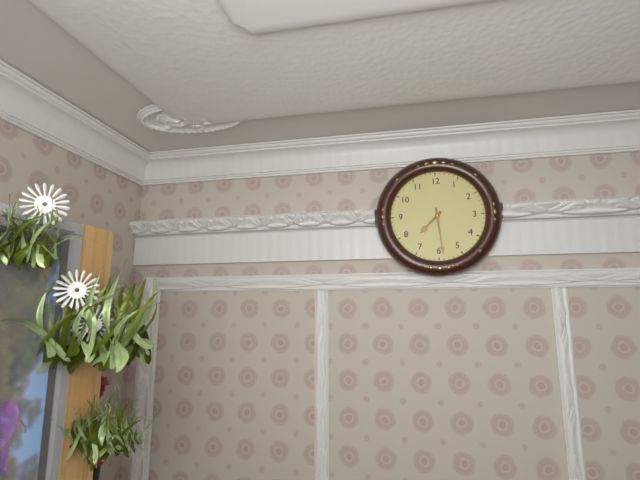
7:29
